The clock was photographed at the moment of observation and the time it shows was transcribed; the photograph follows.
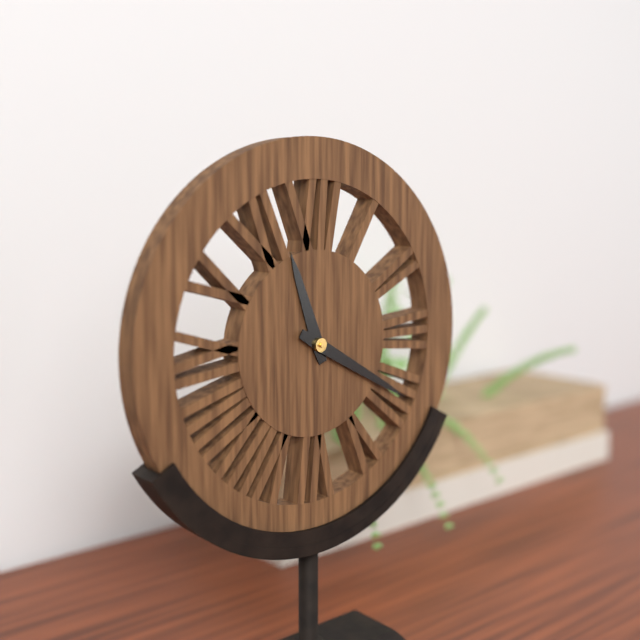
11:20
